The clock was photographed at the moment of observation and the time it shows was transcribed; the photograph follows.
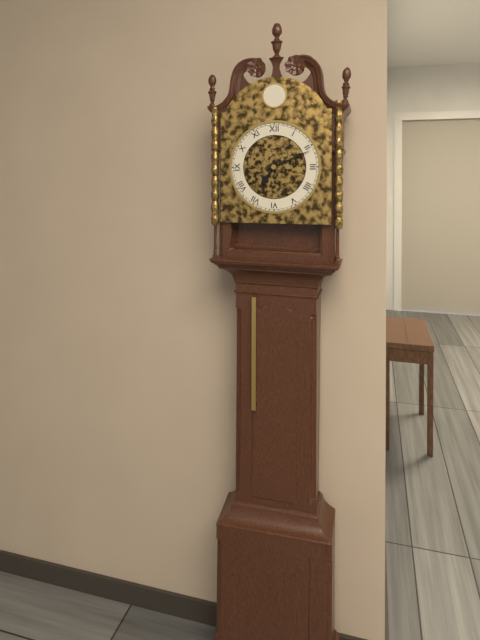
7:11
